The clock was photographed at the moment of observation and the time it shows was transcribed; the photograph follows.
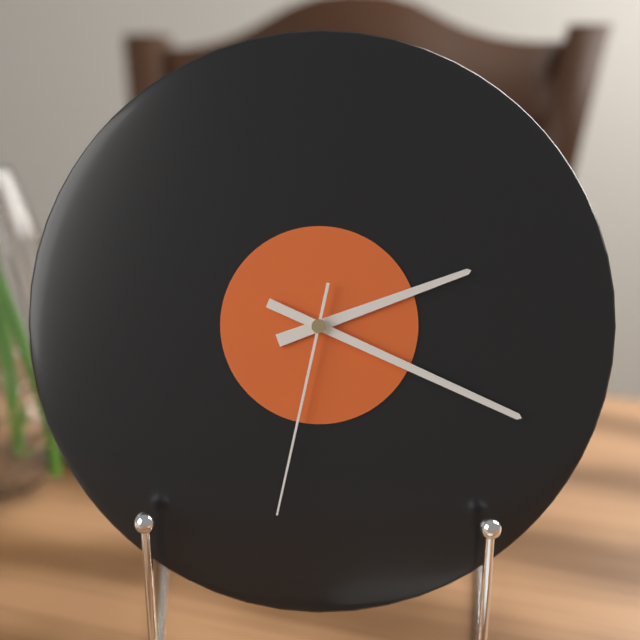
2:19:32
